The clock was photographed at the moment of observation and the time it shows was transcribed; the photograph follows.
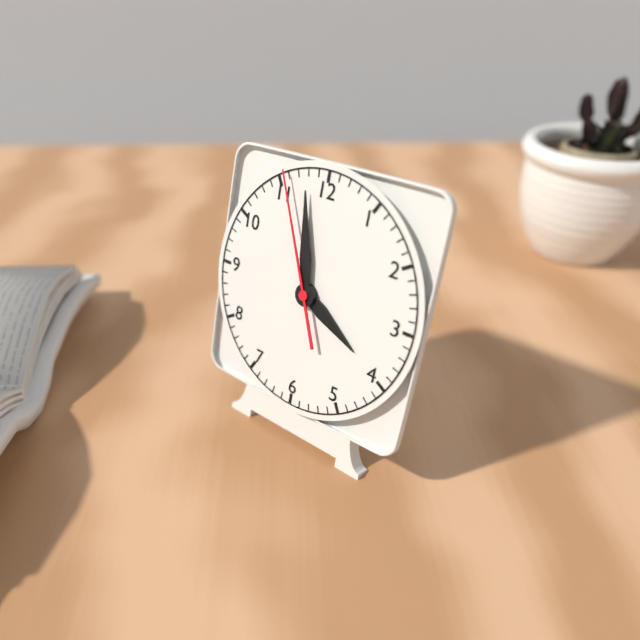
3:58:56
